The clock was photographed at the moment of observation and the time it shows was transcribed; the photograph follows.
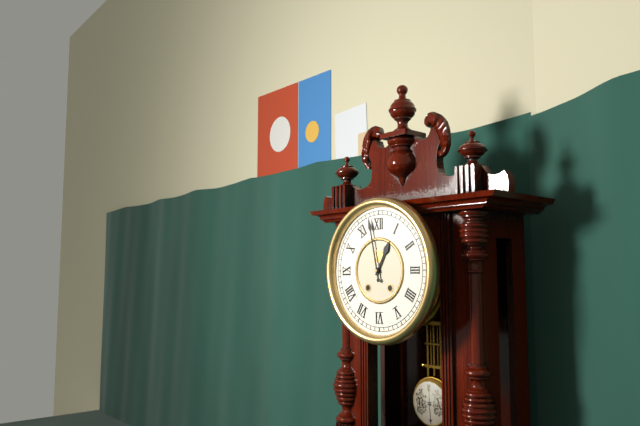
12:58
